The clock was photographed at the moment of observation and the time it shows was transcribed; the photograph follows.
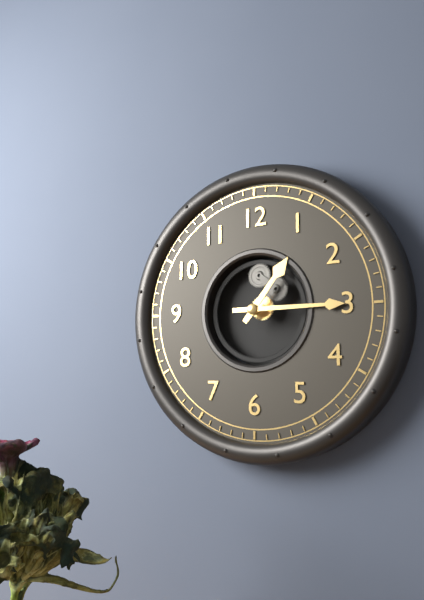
1:15
